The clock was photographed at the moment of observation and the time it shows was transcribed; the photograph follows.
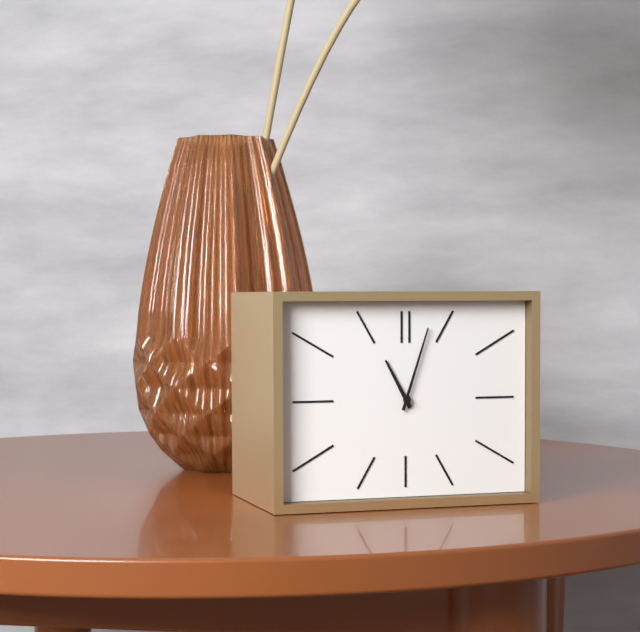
11:03
